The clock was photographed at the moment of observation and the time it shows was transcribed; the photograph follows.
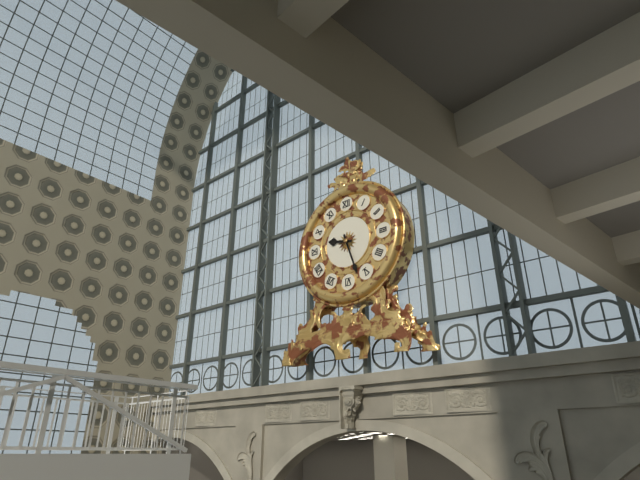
9:27
